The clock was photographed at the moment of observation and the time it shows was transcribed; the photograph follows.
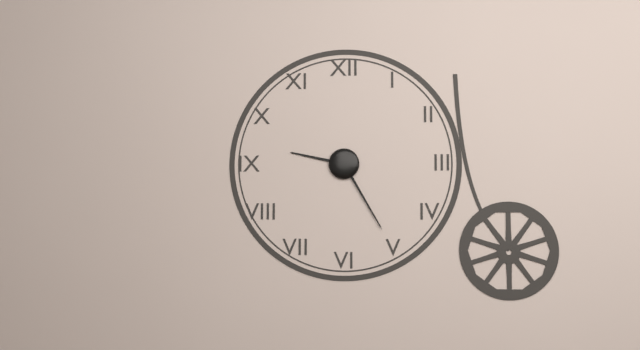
9:25
